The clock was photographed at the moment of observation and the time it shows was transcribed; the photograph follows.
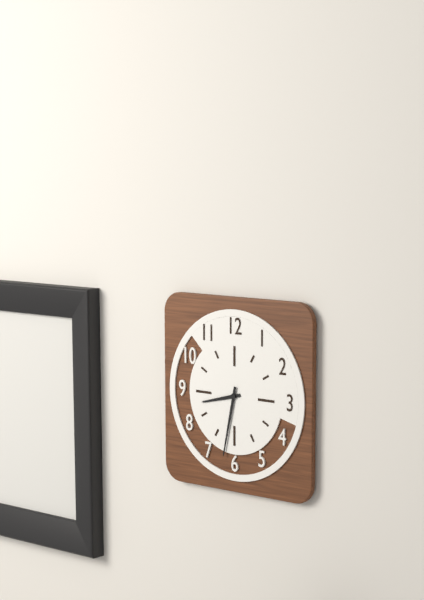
8:32
